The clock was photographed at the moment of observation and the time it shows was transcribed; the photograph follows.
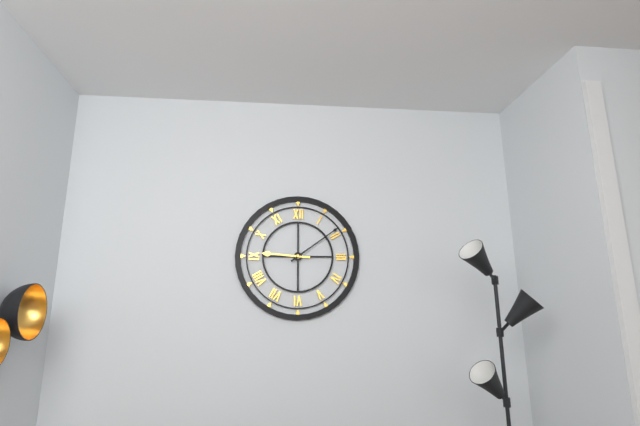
9:09
